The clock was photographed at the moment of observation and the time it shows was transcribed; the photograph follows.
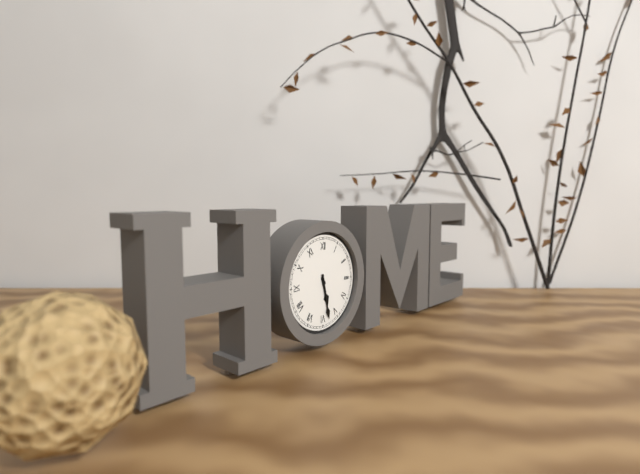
5:28
